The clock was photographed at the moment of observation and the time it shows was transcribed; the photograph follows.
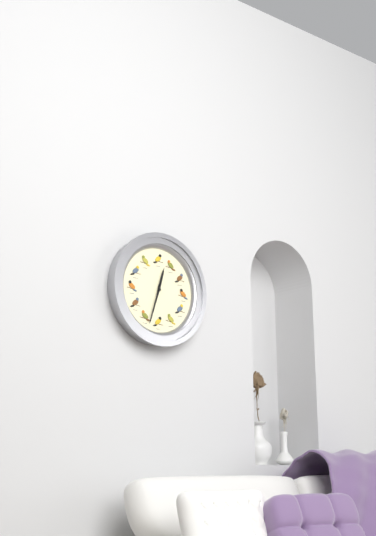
12:33
